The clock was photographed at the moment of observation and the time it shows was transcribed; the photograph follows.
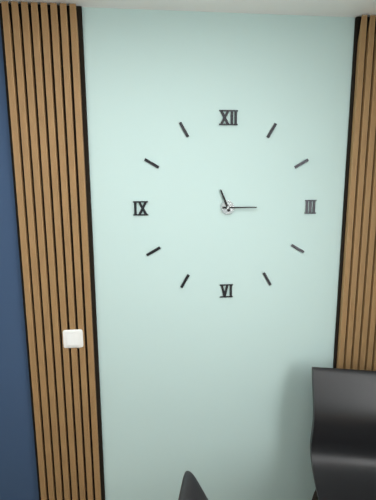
11:15
